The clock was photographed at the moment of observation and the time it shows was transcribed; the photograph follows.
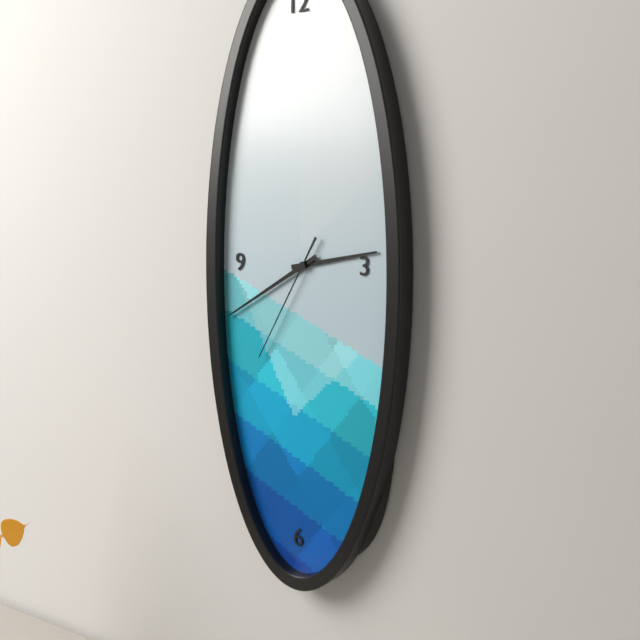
2:40:35
